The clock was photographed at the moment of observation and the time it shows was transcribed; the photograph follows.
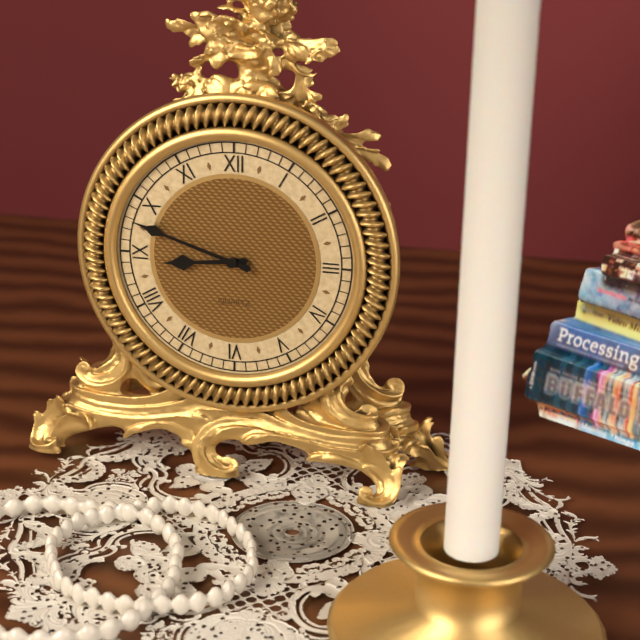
8:48
